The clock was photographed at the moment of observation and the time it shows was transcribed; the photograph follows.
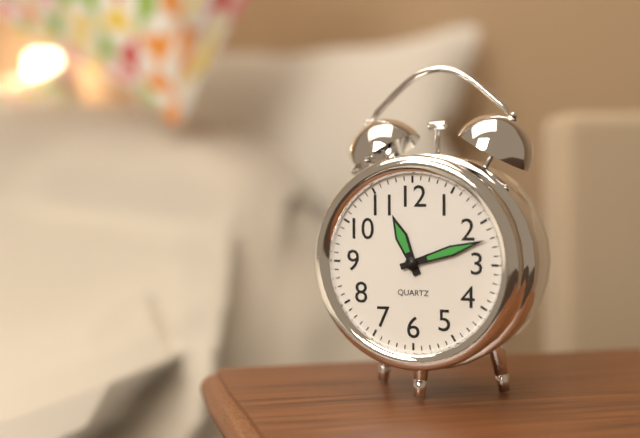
11:12
